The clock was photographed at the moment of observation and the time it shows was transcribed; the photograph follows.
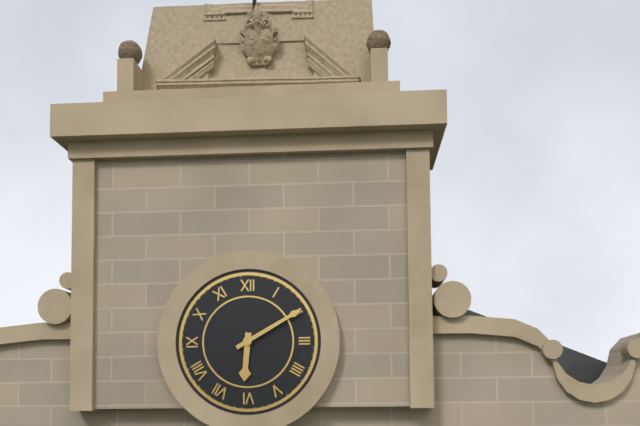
6:10
